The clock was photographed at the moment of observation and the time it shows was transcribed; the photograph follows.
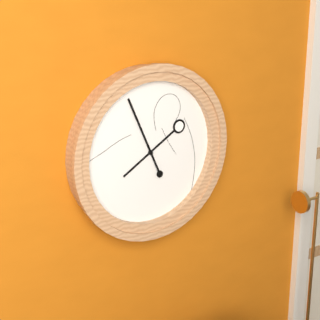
7:56
